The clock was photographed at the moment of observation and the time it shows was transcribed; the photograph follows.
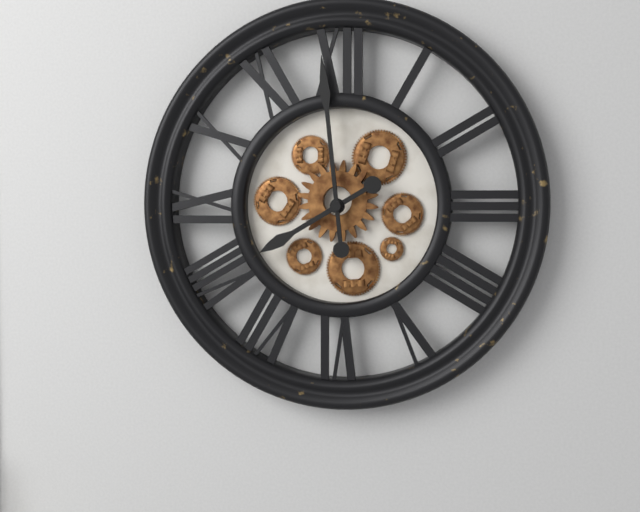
7:59
